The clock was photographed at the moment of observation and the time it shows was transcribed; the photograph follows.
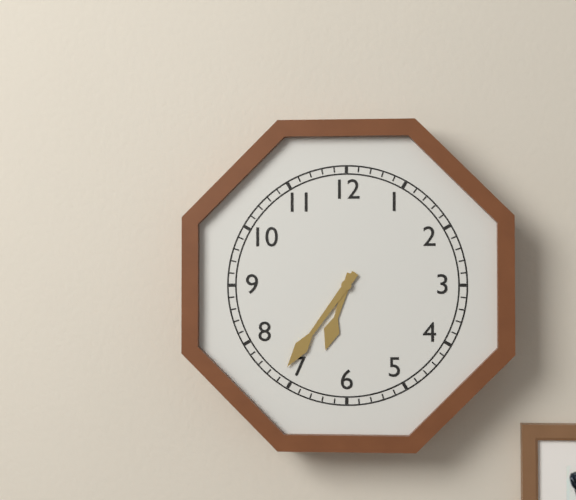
6:36
